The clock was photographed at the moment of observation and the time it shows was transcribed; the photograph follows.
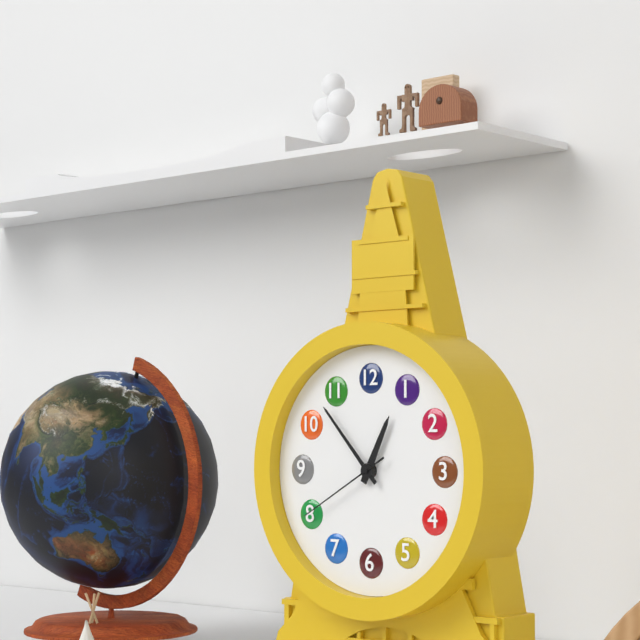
12:53:40
